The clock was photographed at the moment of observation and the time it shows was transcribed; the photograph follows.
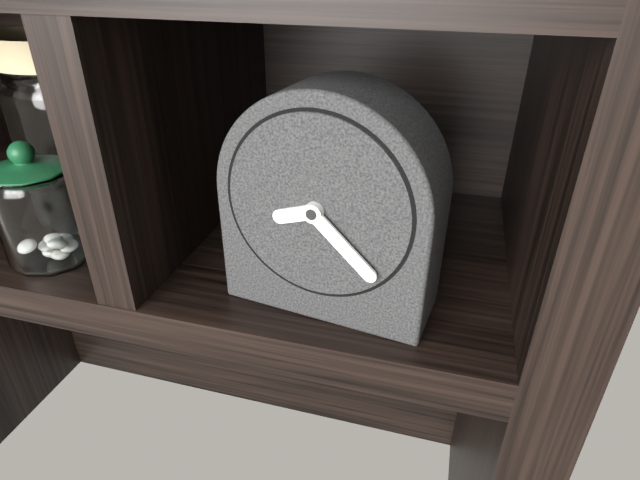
8:22
